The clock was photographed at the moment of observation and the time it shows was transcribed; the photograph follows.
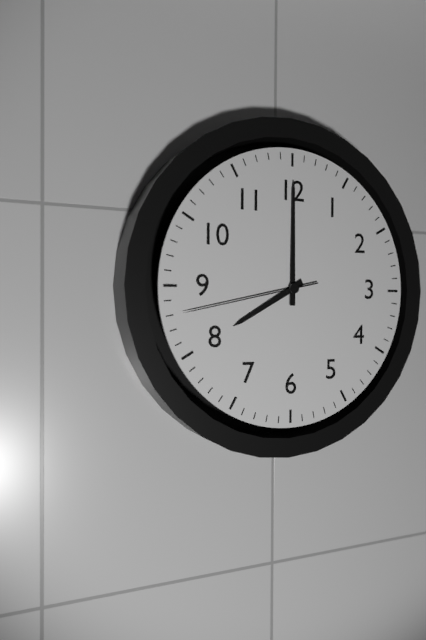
8:00:43
